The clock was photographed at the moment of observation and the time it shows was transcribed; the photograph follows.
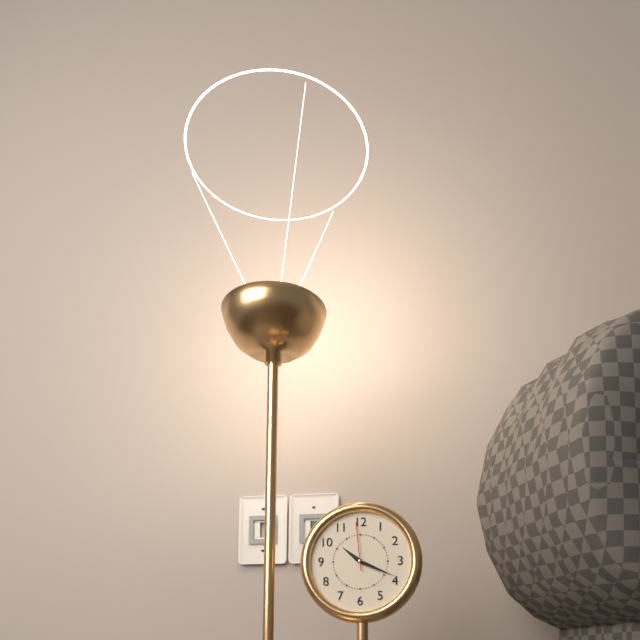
10:19
